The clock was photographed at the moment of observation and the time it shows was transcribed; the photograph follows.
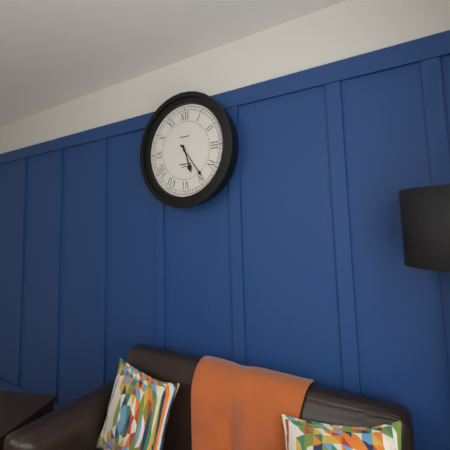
5:24
